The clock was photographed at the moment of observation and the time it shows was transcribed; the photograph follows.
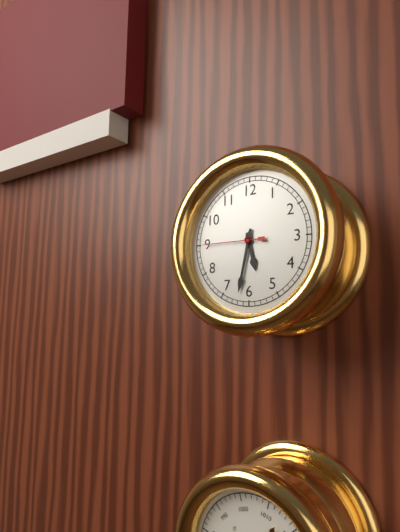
5:32:45
